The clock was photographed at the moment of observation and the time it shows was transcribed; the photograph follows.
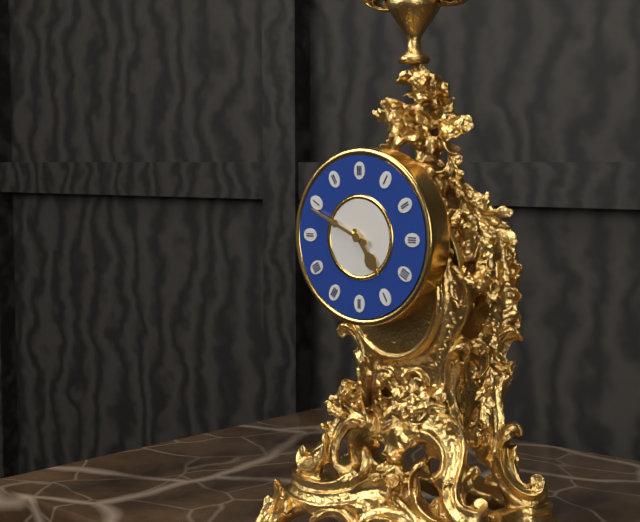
4:49
